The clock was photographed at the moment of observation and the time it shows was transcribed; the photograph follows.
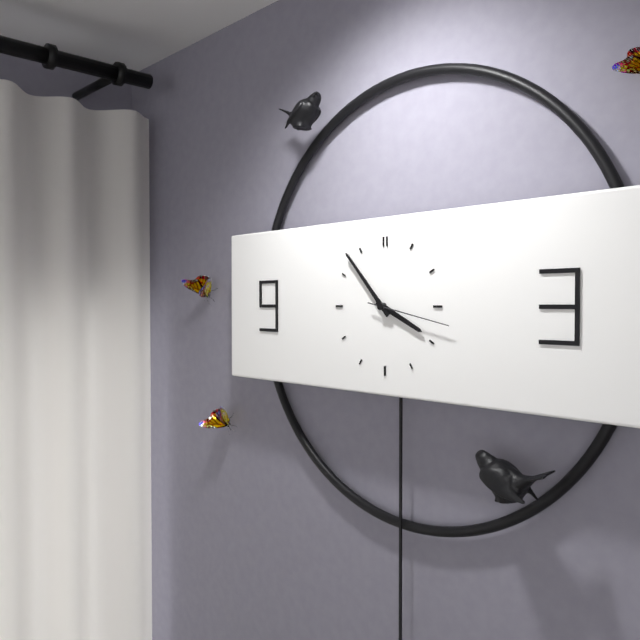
3:53:17
